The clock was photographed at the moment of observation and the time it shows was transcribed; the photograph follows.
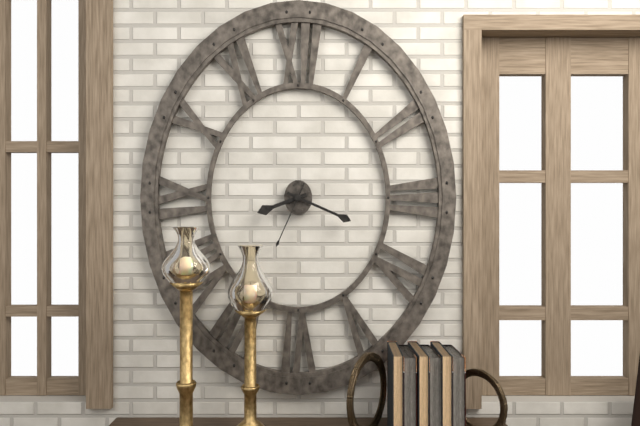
8:19:34
